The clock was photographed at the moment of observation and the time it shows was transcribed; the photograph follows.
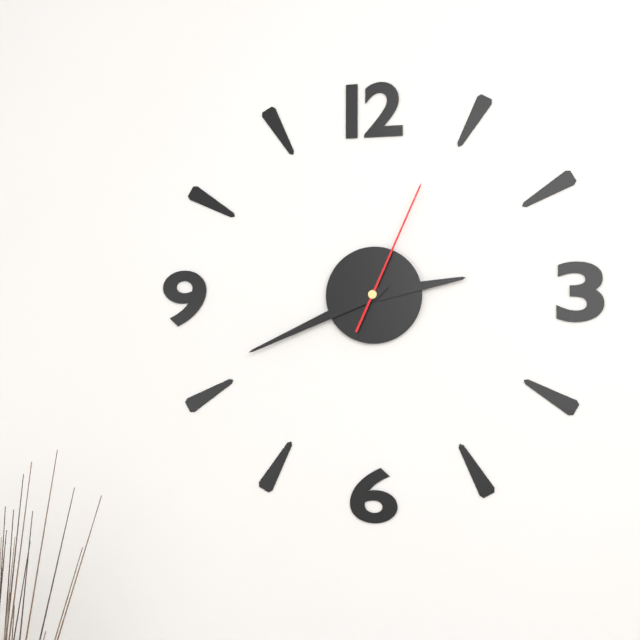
2:41:04
